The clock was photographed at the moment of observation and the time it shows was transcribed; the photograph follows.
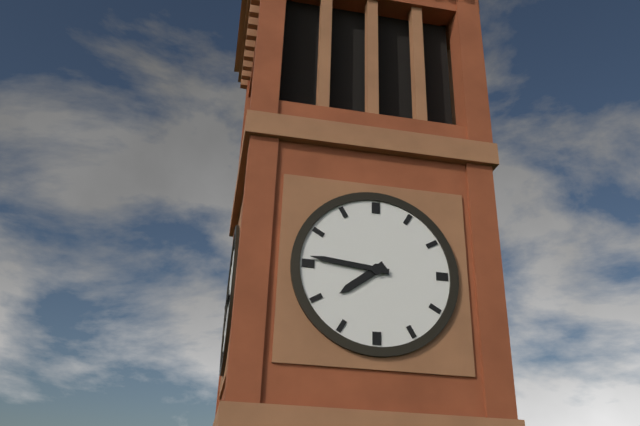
7:46
